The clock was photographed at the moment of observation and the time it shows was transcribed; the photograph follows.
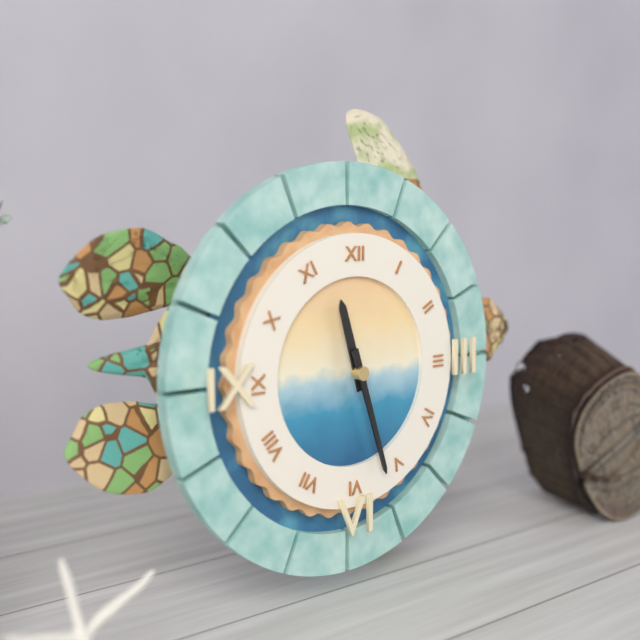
11:27
